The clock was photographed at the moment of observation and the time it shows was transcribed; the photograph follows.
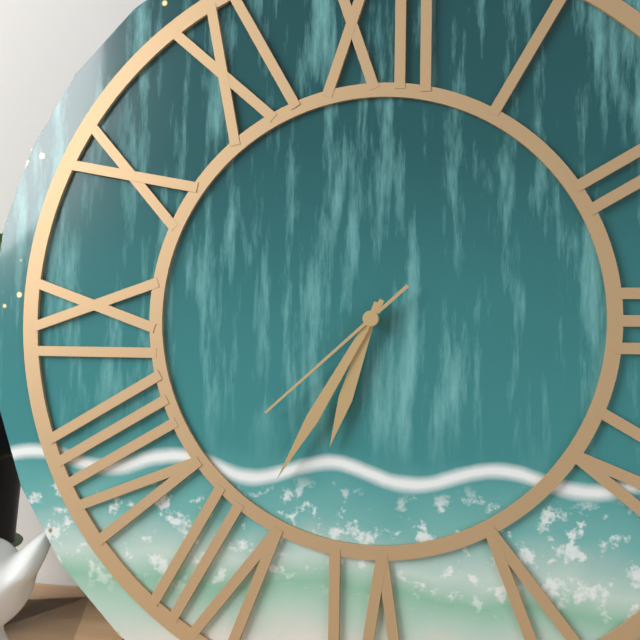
6:35:38
